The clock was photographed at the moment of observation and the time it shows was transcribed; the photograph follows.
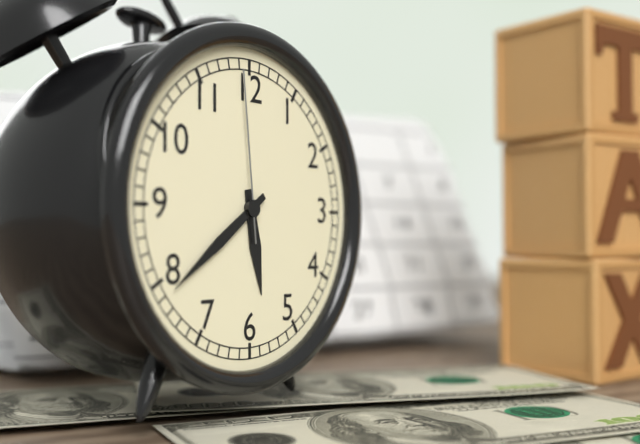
5:39:59
